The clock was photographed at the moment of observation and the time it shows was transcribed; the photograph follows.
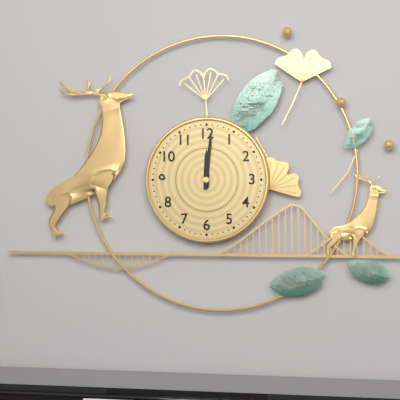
12:01
